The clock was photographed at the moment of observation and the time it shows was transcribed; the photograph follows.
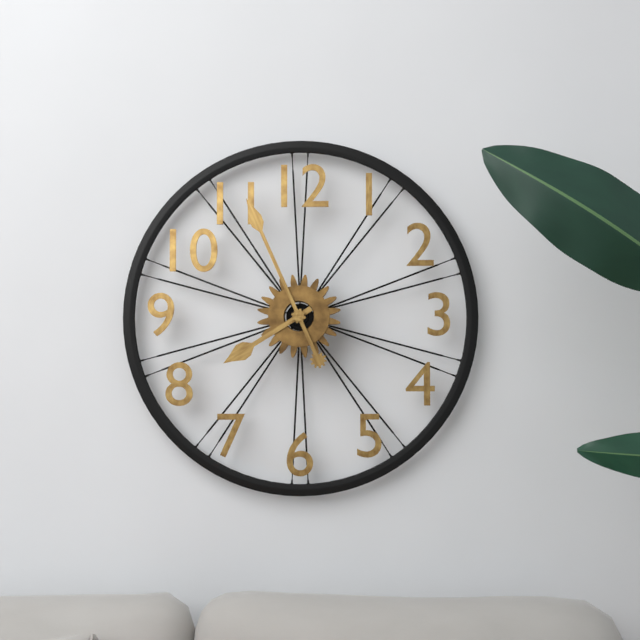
7:56
